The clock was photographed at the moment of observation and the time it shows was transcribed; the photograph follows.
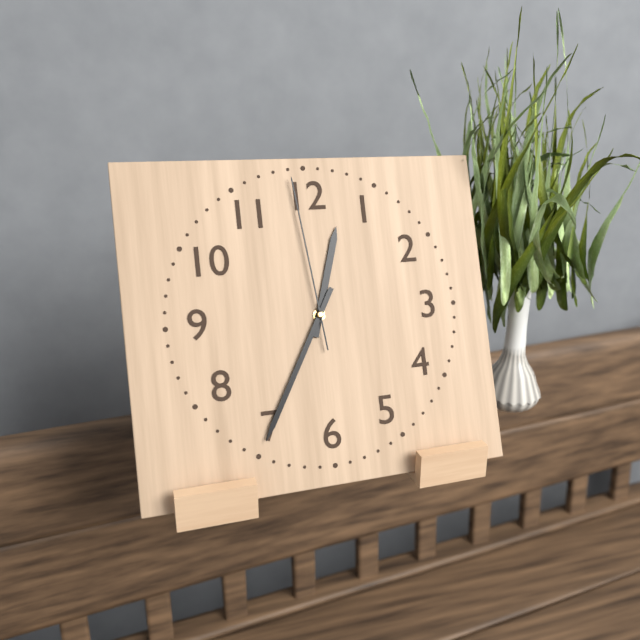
12:35:59
